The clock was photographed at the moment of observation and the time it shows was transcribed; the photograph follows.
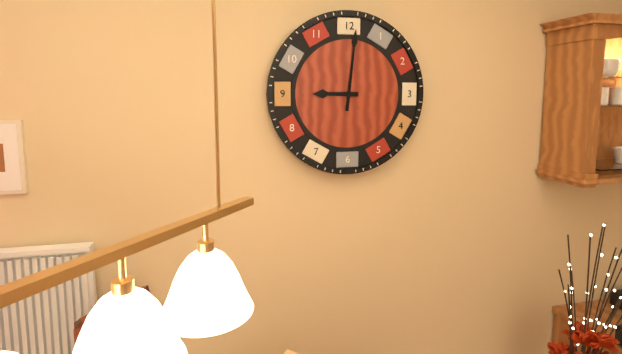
9:01
